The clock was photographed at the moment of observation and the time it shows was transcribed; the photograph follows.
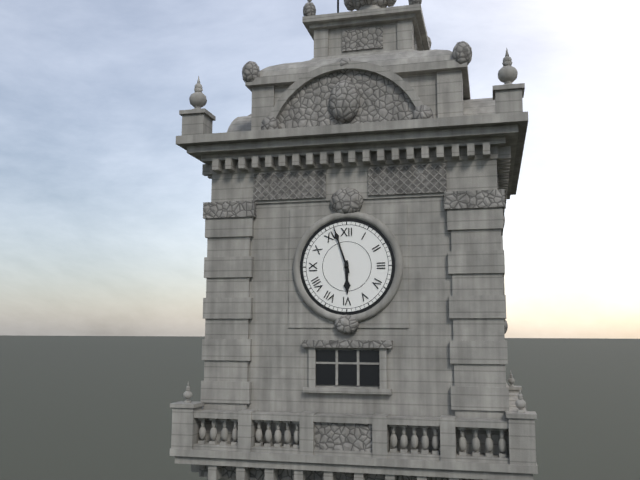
5:57
